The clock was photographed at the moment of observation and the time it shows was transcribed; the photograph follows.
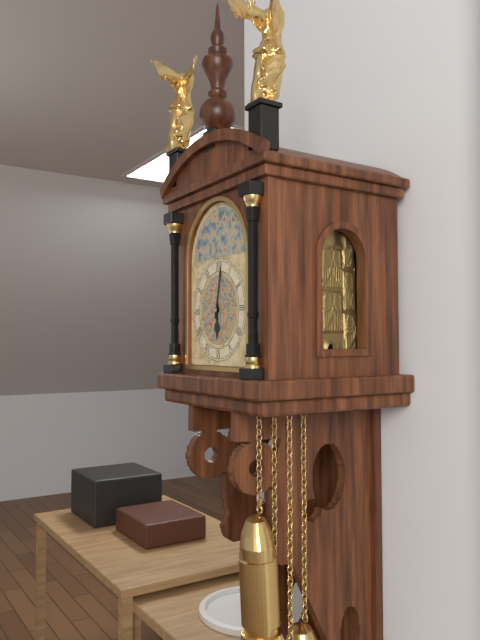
6:02
